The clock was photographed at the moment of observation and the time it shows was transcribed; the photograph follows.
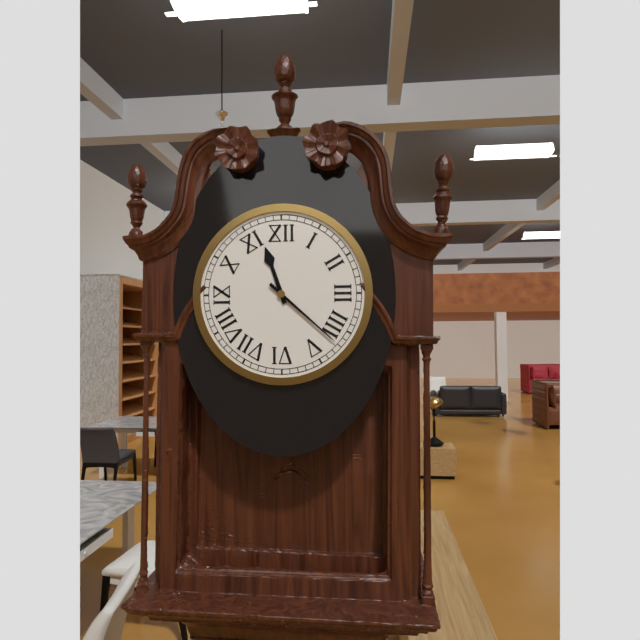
11:22
